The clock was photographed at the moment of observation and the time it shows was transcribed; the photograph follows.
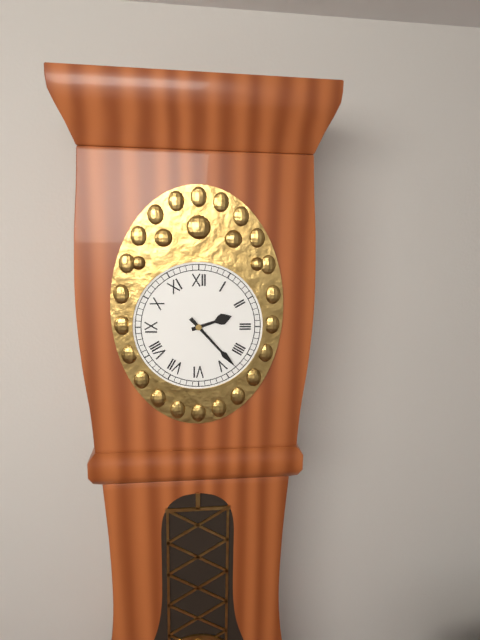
2:23
